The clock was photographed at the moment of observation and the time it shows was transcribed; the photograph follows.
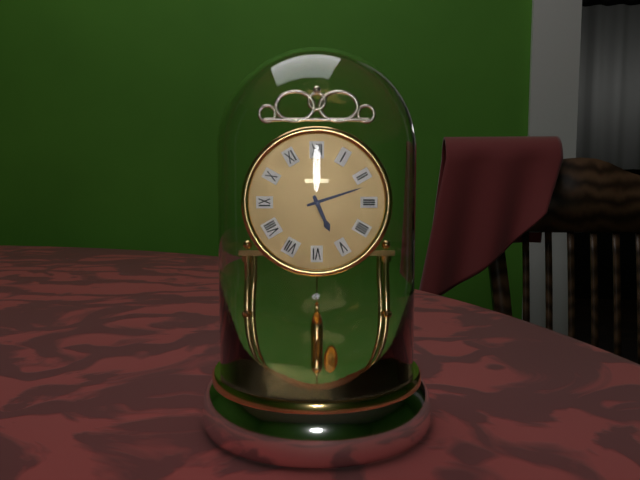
5:12
